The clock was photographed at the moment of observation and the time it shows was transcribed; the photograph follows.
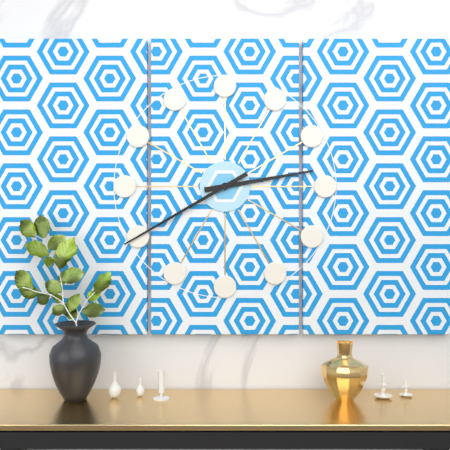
2:40
